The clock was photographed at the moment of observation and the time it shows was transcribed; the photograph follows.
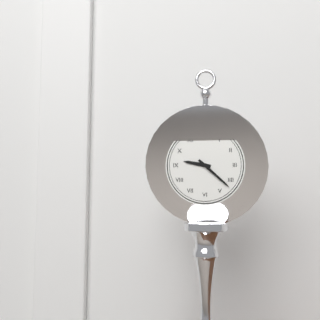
9:22
